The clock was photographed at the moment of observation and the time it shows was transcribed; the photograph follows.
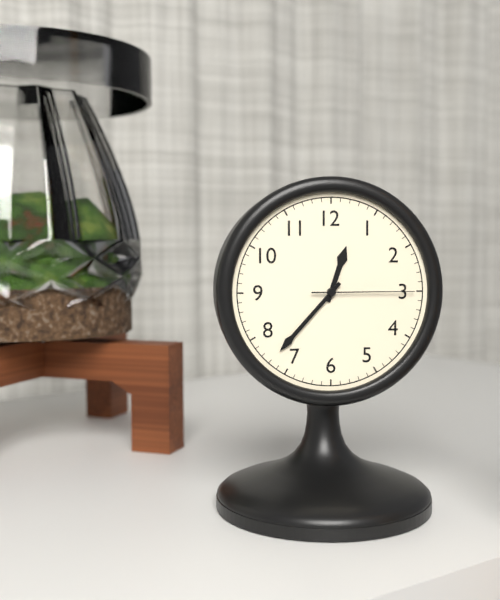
12:37:15
